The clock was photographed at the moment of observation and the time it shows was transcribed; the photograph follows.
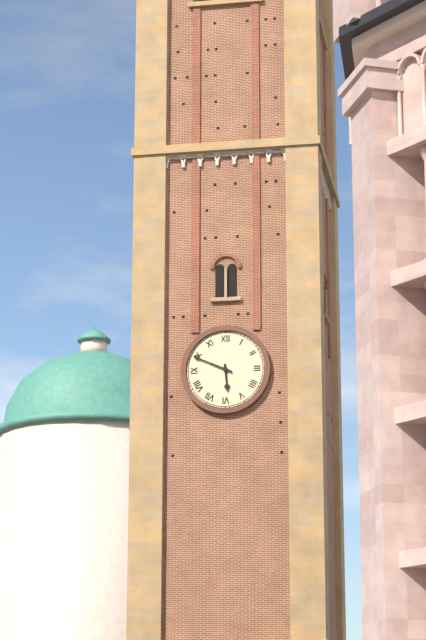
5:49
